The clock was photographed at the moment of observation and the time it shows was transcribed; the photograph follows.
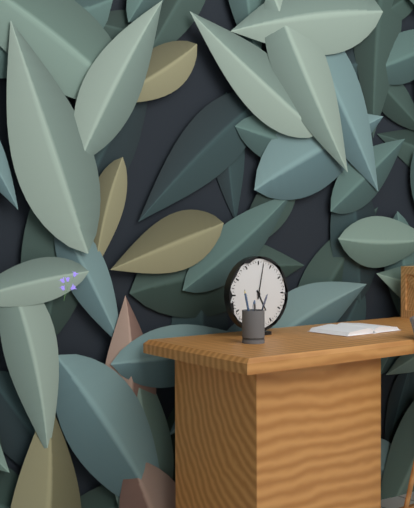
5:02
